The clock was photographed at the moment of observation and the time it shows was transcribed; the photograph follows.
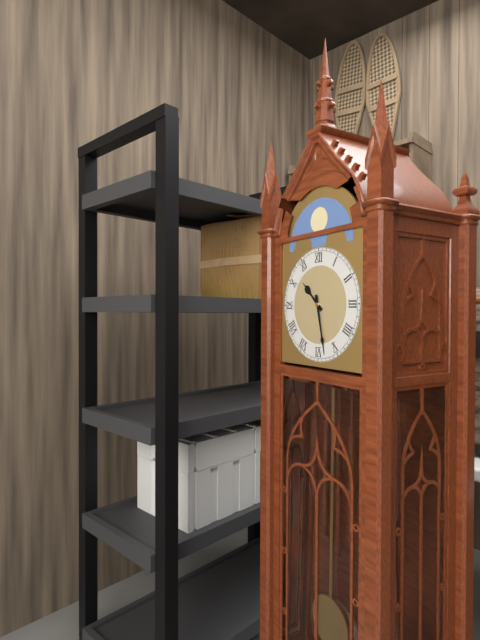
10:28
